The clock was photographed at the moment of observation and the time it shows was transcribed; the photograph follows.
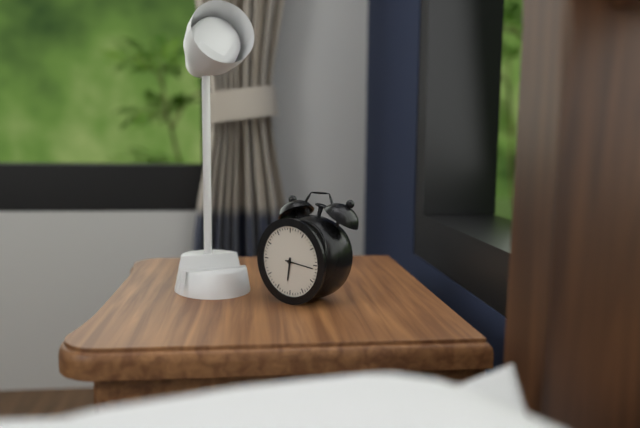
6:16
